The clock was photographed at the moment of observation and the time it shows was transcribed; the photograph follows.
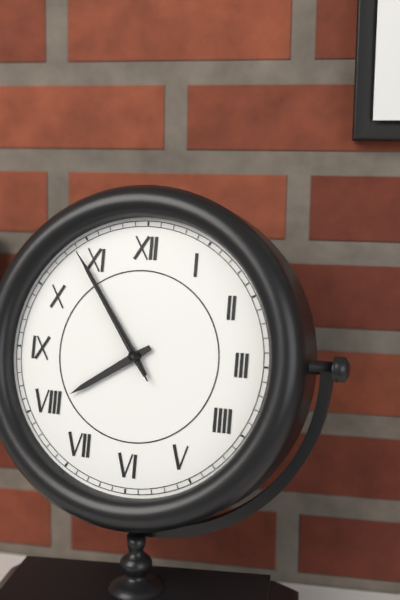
7:54:54
